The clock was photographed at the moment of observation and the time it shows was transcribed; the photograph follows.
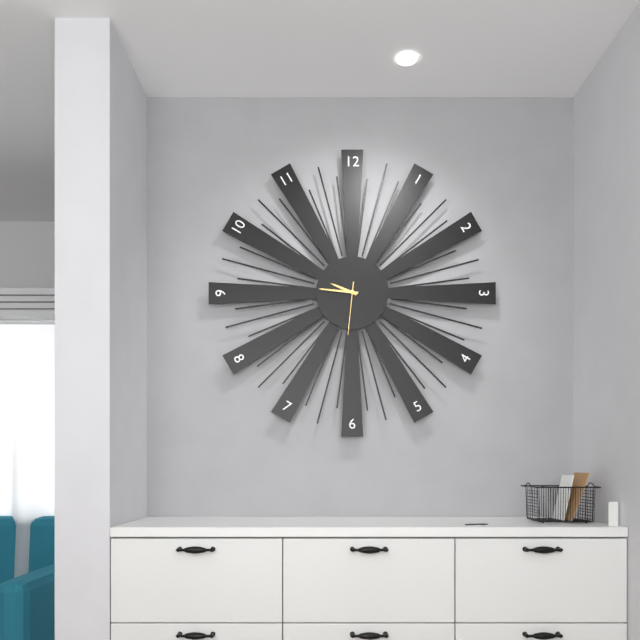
9:46:31
